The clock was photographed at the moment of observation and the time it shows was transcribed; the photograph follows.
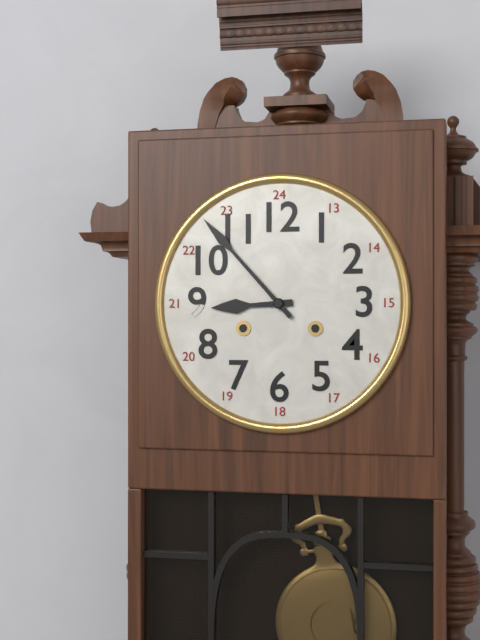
8:53
